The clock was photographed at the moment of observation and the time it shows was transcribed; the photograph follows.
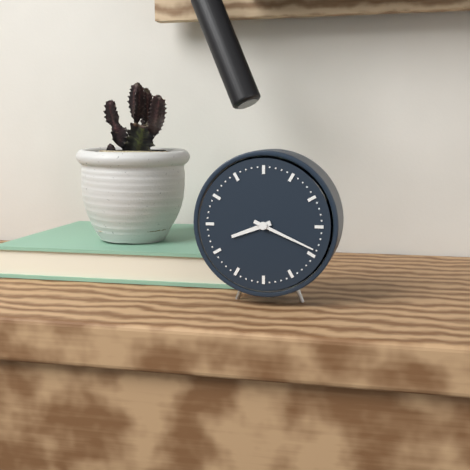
8:19
